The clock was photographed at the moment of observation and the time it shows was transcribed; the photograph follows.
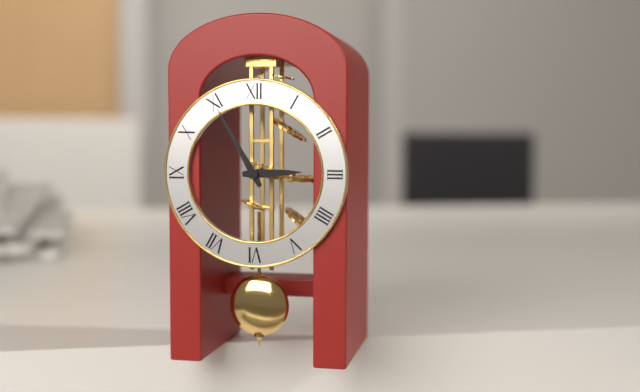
2:55
